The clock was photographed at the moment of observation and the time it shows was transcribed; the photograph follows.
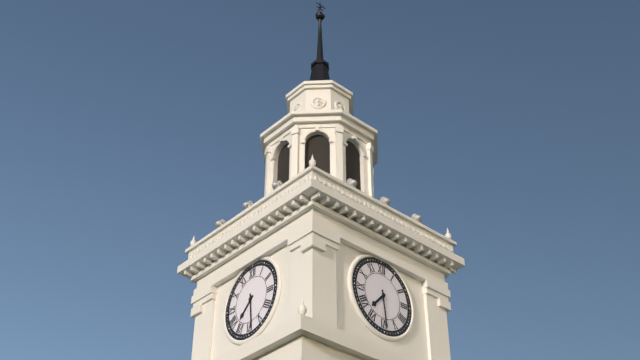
7:29
